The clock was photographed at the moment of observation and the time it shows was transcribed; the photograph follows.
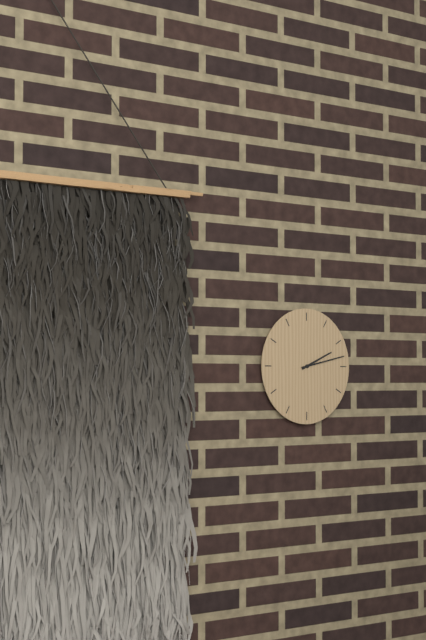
2:13
